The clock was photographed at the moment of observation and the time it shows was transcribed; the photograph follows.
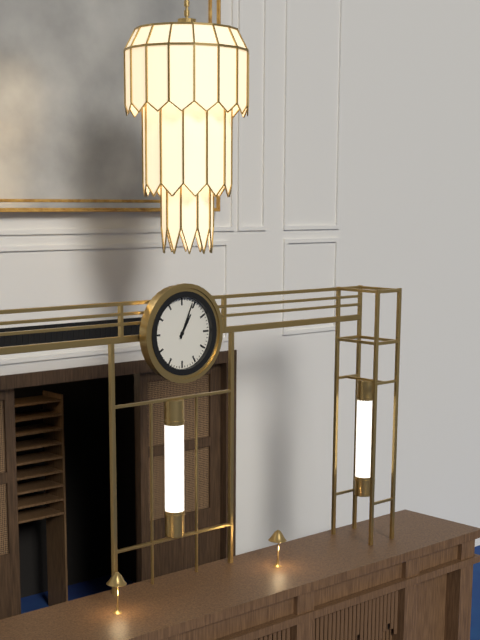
1:04
